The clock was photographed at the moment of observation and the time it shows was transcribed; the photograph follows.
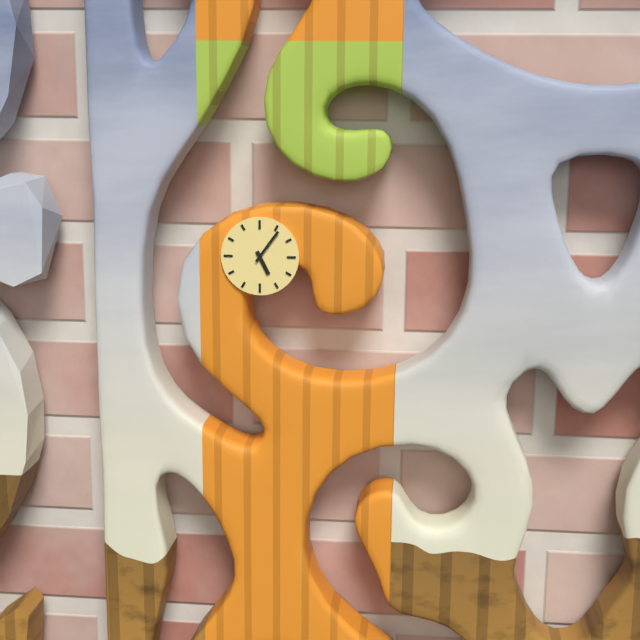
5:06
